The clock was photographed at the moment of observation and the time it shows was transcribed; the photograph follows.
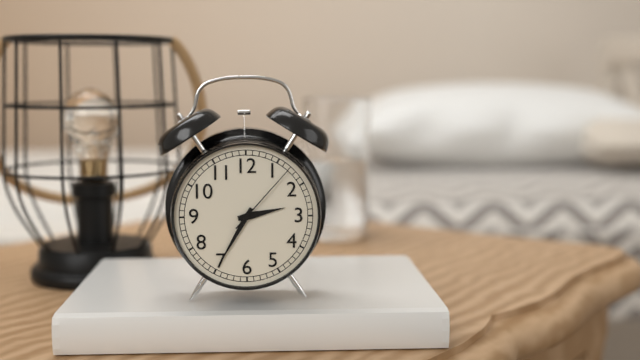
2:35:07
